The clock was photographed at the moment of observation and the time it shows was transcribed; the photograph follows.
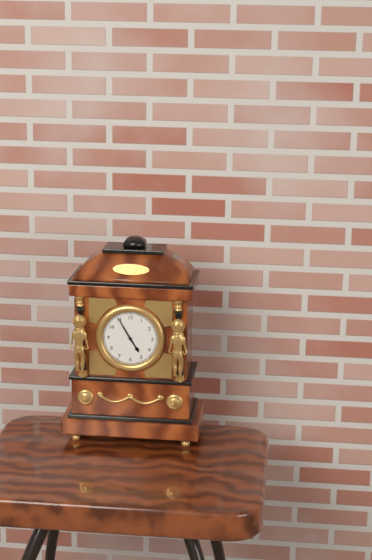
4:55
